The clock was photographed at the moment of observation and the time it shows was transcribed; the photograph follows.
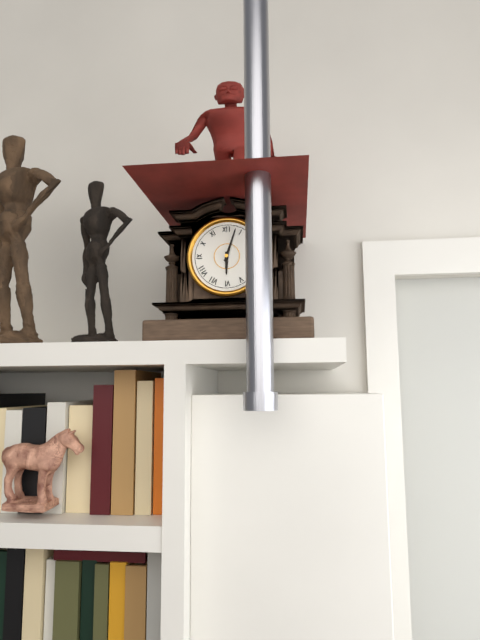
6:03
